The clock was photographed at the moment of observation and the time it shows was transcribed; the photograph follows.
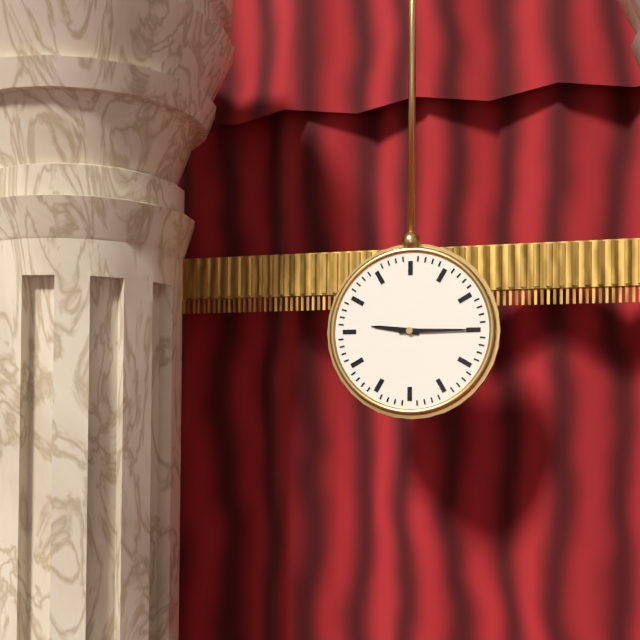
9:15
